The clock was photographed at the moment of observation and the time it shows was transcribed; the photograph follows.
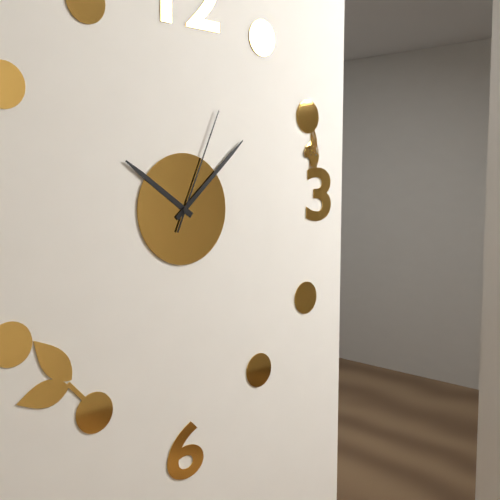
10:08:04
